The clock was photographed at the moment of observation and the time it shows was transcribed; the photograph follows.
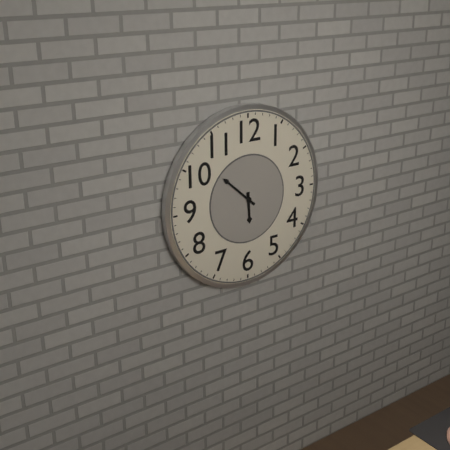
5:52
